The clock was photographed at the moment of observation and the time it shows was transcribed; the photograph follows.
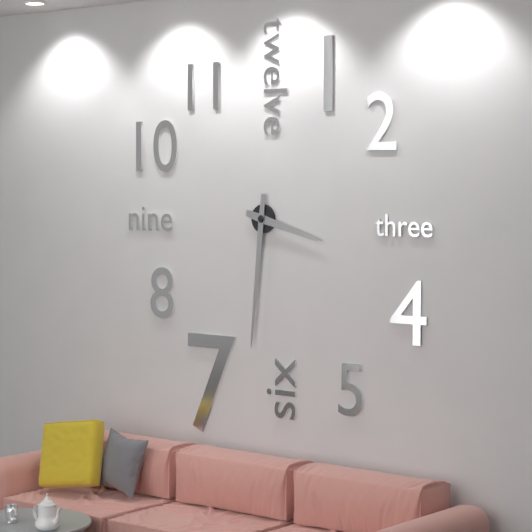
3:31
